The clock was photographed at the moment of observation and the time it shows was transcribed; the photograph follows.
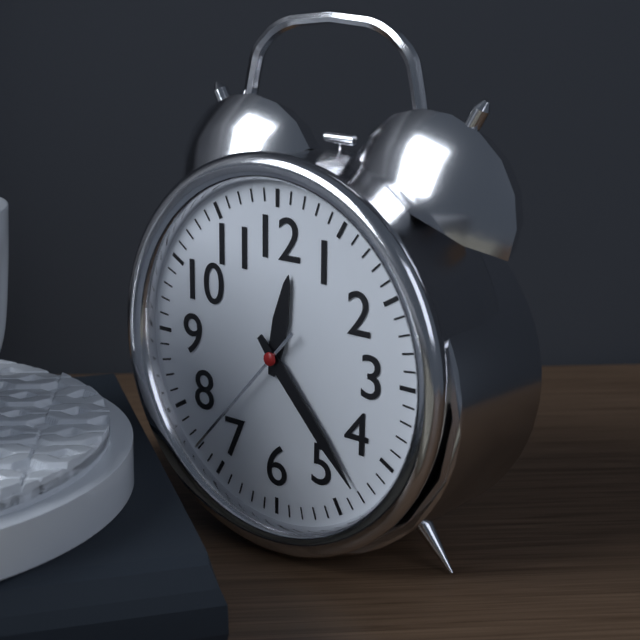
12:23:37
